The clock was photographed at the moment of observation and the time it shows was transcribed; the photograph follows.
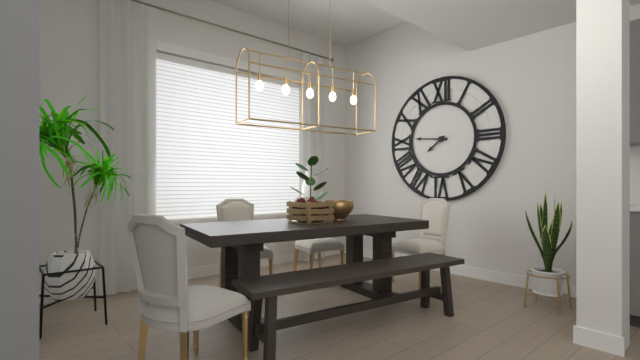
7:46
